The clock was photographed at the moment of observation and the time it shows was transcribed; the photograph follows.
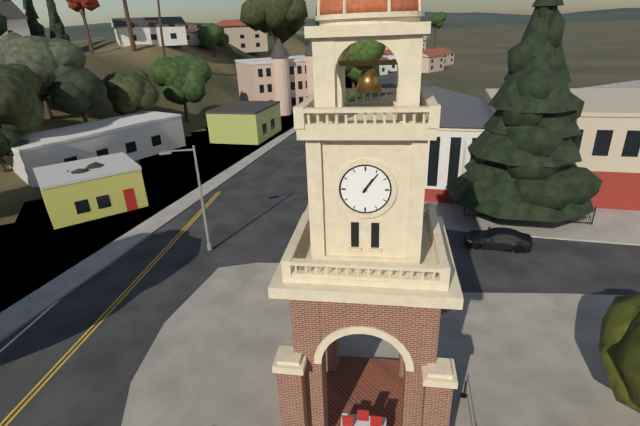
1:06
